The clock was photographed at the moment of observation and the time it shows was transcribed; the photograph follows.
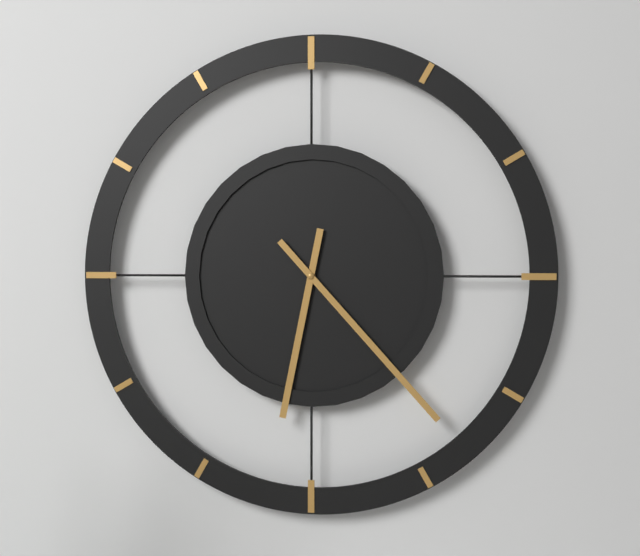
6:23
